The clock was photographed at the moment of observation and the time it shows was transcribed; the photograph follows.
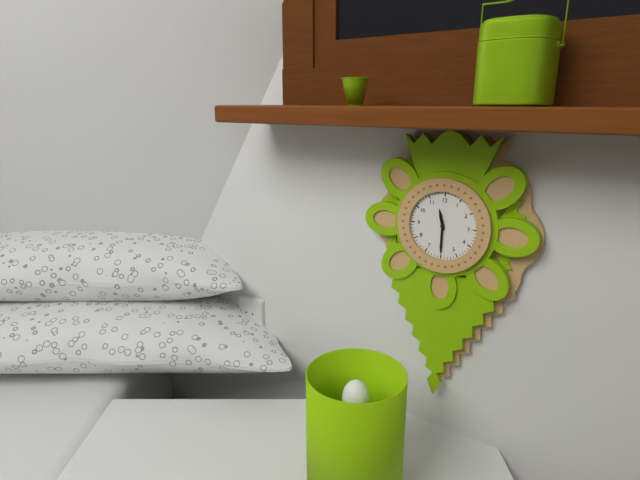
11:30
